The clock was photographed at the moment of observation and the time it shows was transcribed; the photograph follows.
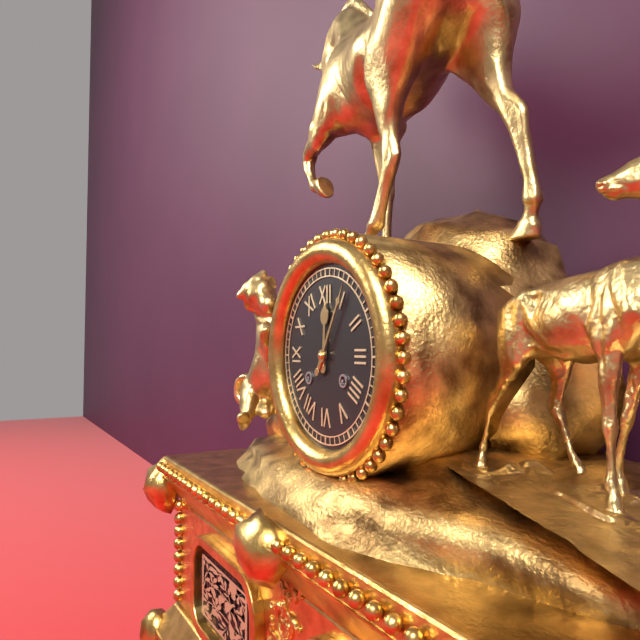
12:05
